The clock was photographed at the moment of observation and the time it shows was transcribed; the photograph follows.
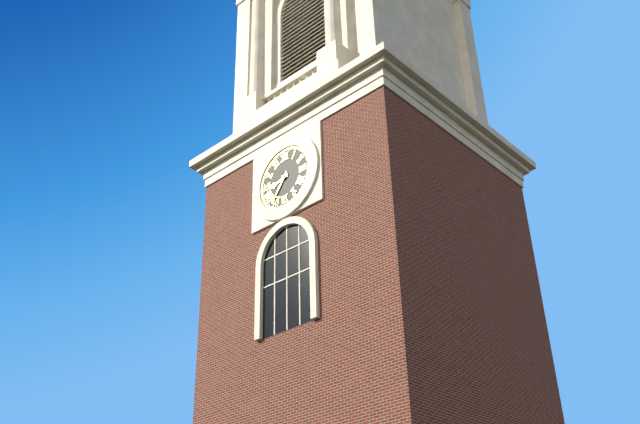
8:36
